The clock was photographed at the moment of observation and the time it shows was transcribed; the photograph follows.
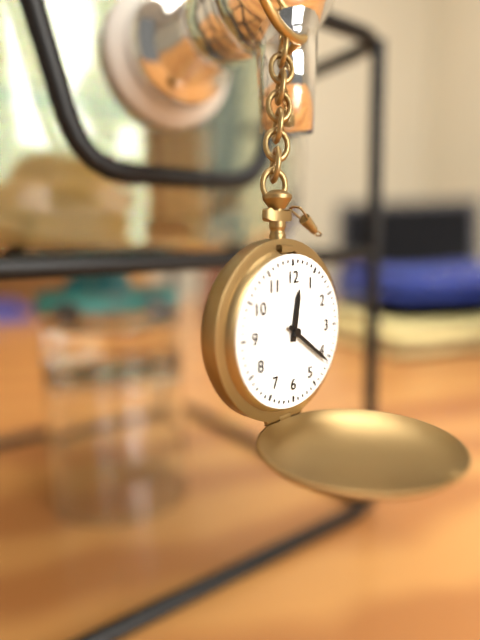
12:21
